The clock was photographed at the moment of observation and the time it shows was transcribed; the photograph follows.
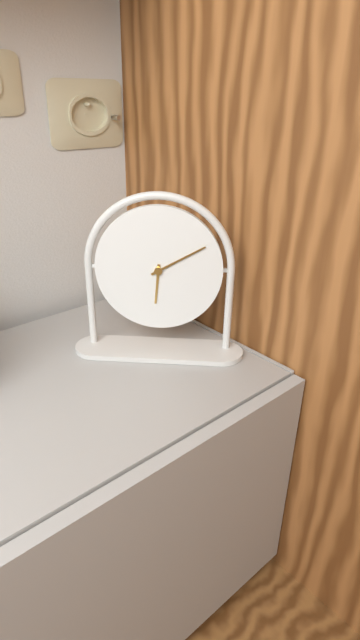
6:10
